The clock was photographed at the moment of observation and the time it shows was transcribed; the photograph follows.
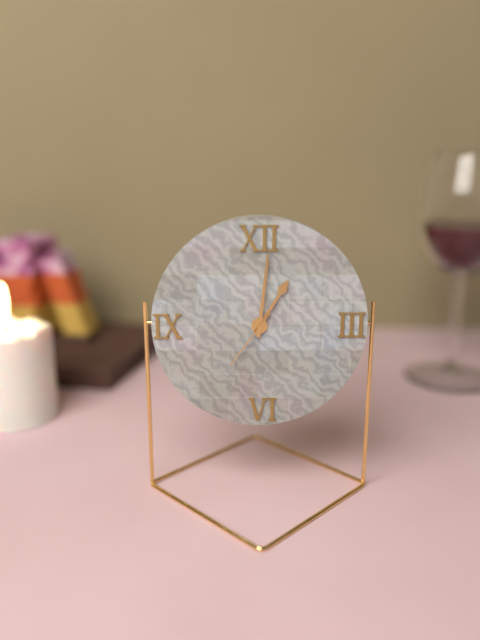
1:01:36
